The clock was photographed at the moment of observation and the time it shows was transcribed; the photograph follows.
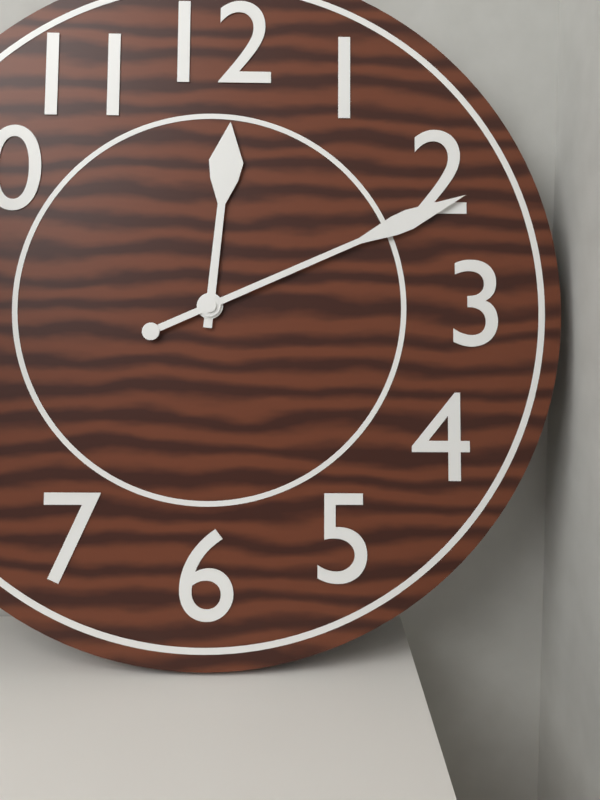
12:11
